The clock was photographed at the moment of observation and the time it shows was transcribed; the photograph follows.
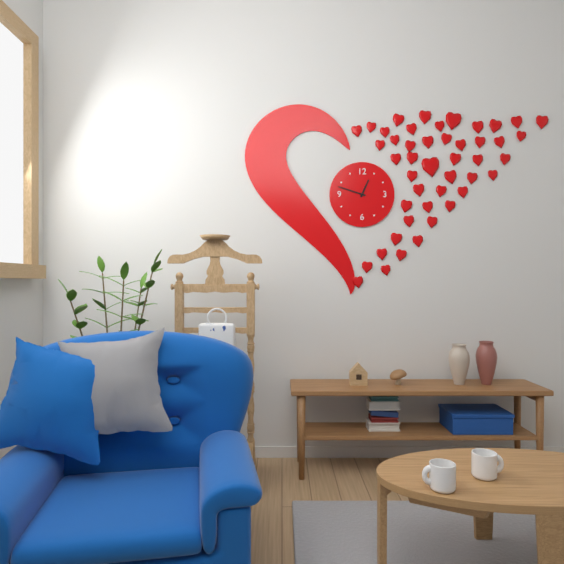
12:48
